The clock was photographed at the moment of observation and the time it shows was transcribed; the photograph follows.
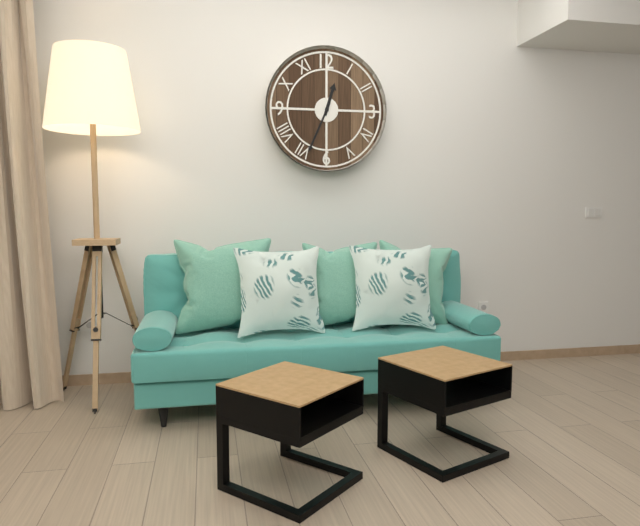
12:34
